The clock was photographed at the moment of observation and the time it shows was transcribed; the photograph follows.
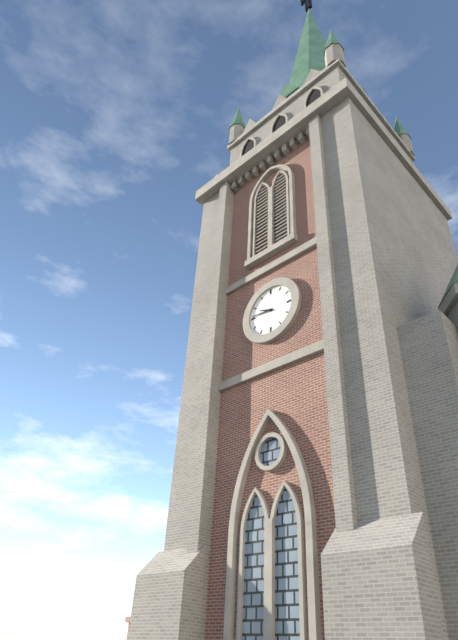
9:46
